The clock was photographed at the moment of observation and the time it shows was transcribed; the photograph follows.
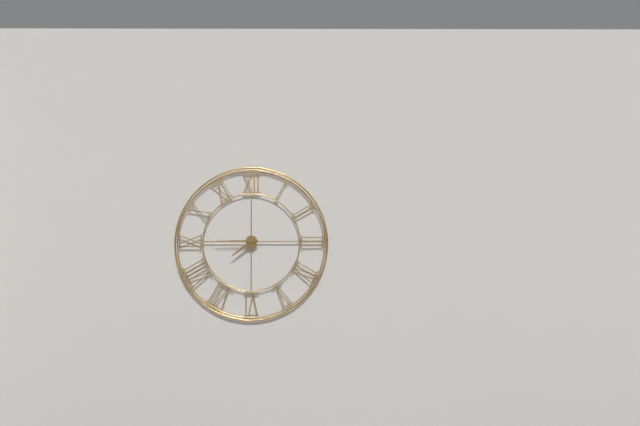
7:45
